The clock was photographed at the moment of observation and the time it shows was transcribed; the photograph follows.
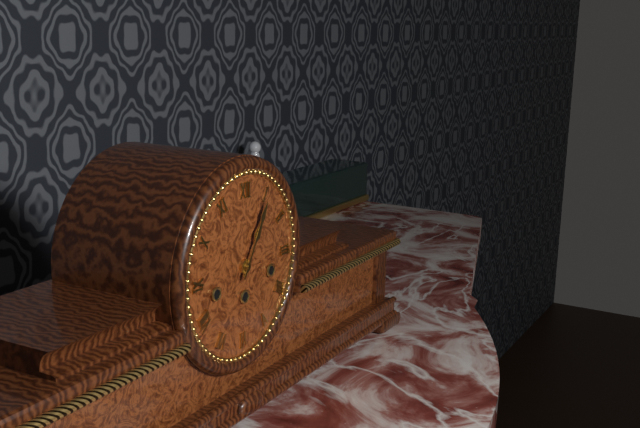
1:05
